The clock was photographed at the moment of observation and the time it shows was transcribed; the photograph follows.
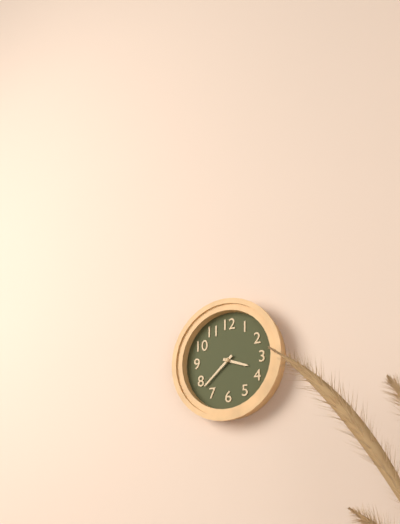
3:38
